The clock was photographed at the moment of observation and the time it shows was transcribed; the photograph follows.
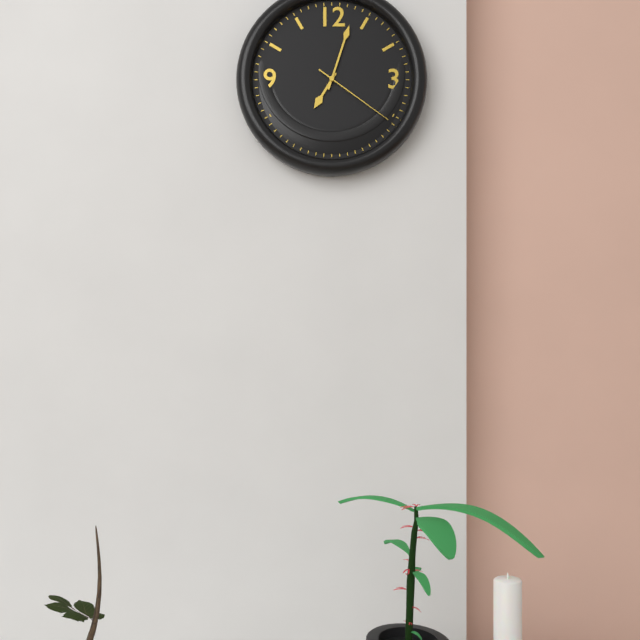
7:03:21
